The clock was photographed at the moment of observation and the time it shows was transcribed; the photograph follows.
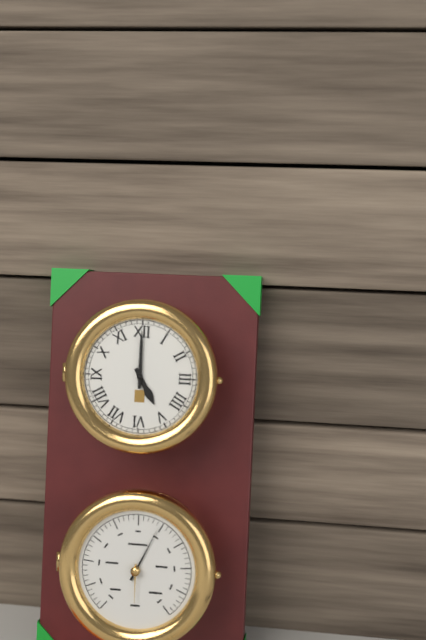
5:00
